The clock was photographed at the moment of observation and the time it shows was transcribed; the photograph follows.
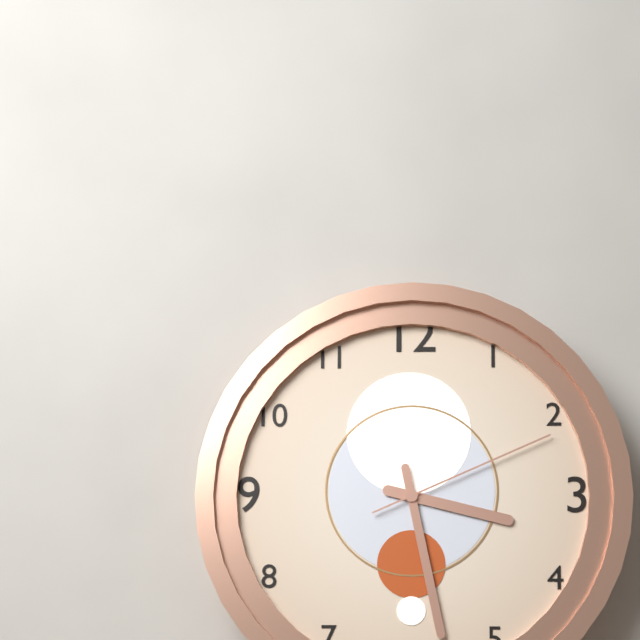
3:28:11
